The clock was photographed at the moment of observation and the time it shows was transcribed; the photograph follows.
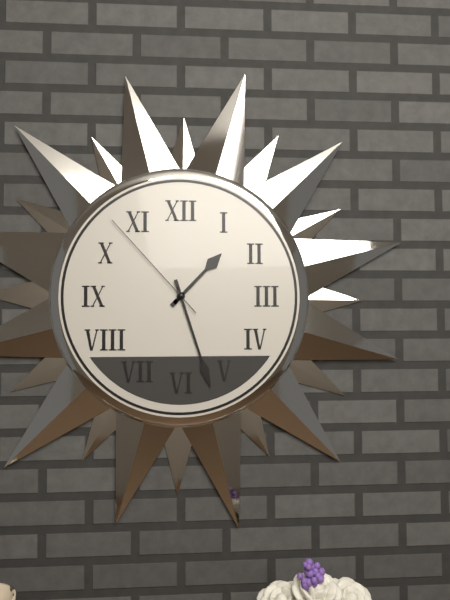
1:27:53
